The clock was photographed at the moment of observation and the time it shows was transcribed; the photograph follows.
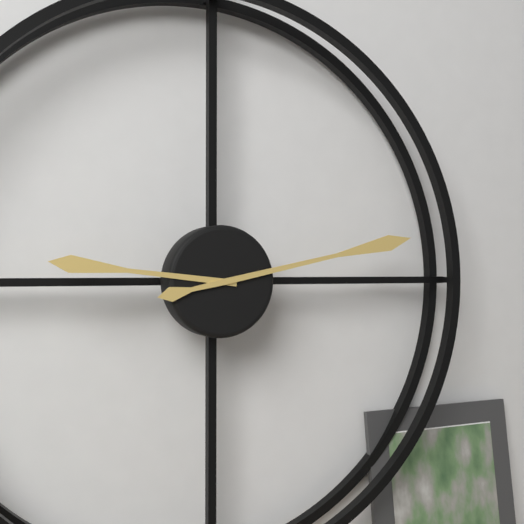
9:13
